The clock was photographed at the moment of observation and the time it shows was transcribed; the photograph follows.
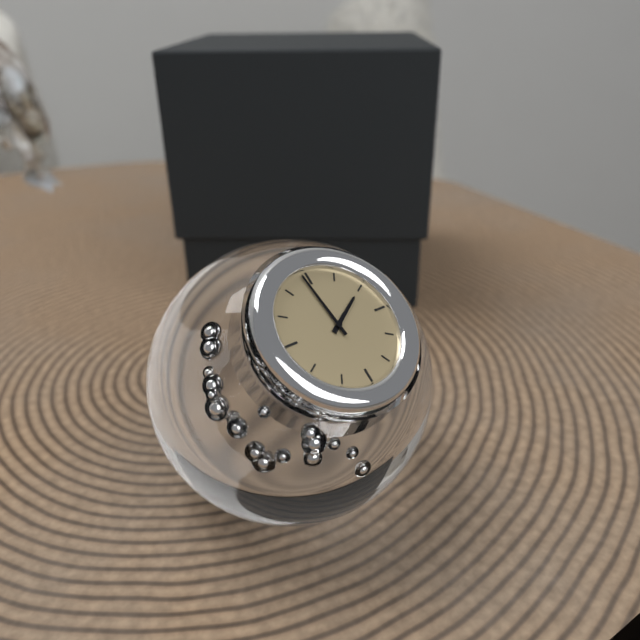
1:59
